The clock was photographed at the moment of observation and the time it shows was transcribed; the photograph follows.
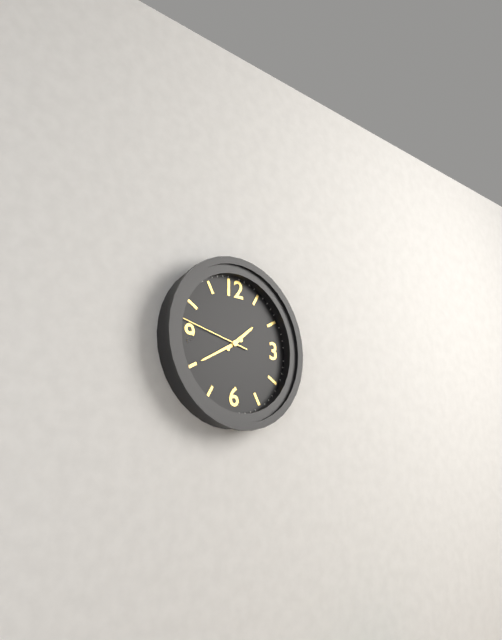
1:40:47
